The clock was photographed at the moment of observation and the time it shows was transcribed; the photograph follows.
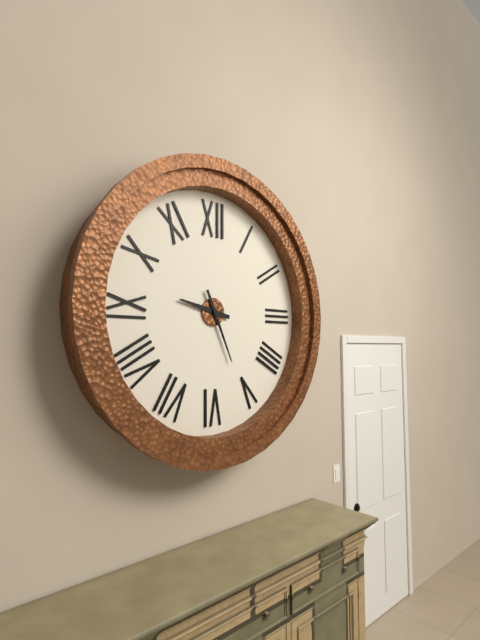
9:26
